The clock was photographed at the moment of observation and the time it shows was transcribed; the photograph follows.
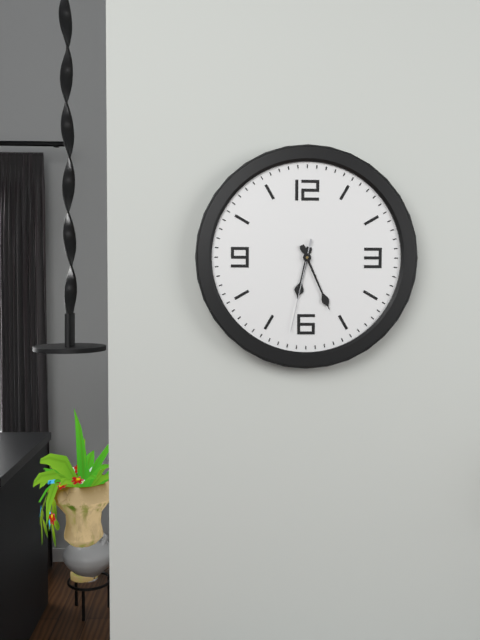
6:26:32
